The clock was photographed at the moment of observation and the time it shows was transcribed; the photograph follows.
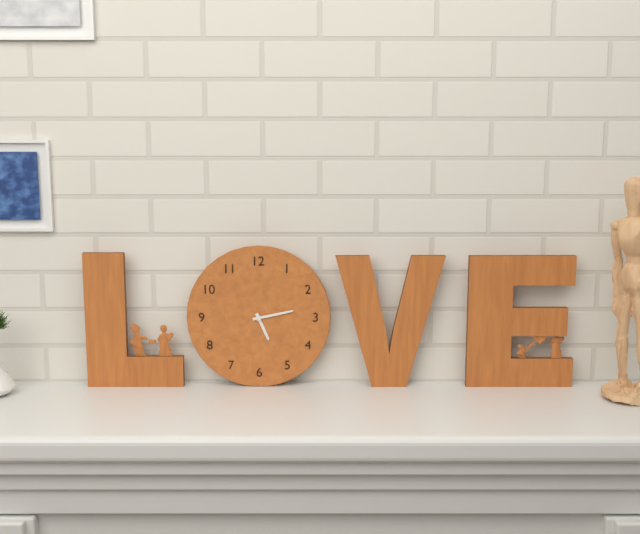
5:13
